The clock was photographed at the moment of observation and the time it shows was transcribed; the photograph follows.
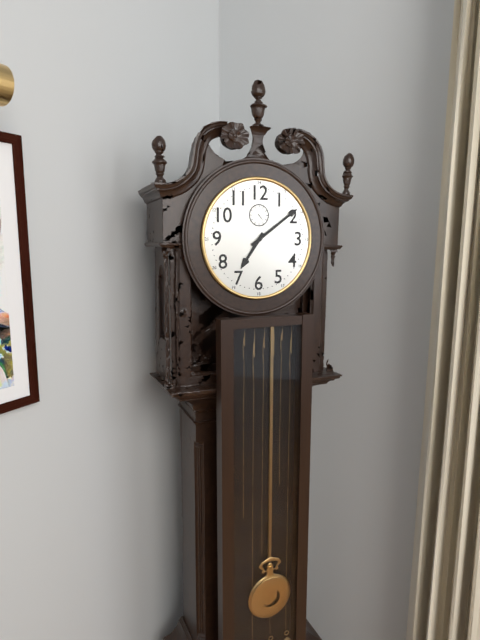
7:09
